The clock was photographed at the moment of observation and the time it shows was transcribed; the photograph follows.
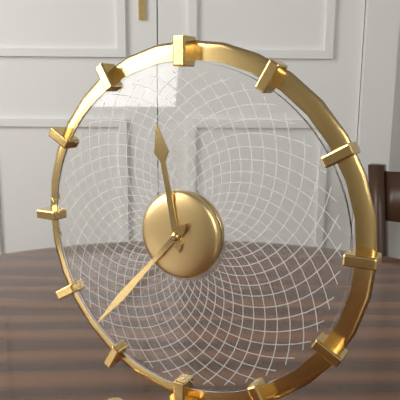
11:37
